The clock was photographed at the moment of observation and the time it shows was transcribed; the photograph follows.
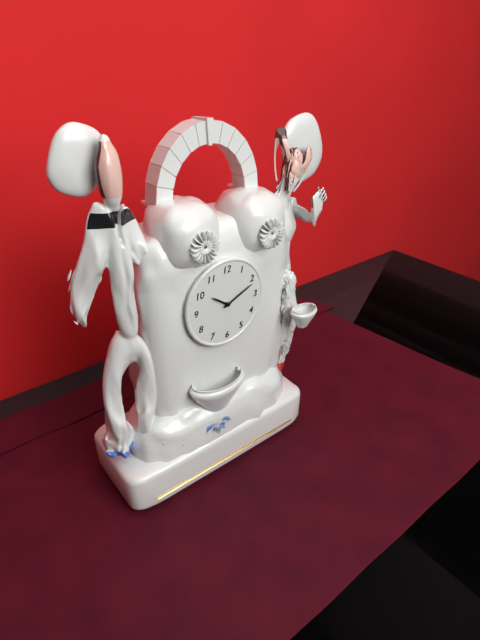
10:11
